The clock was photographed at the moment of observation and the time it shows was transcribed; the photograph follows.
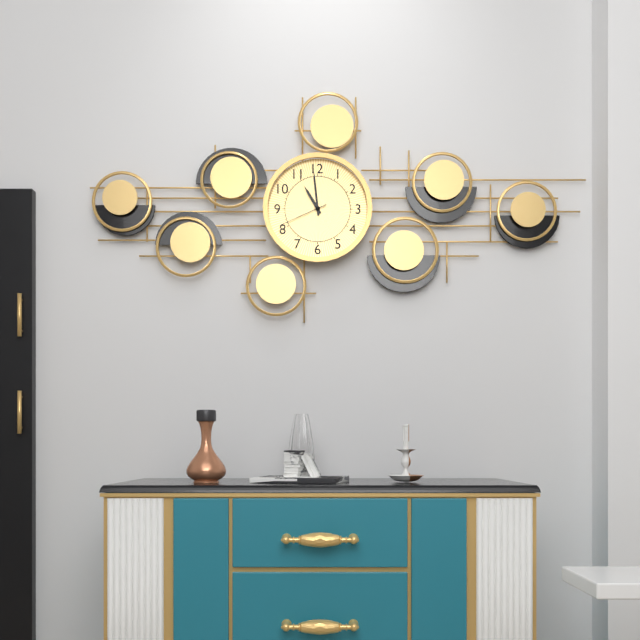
10:59
